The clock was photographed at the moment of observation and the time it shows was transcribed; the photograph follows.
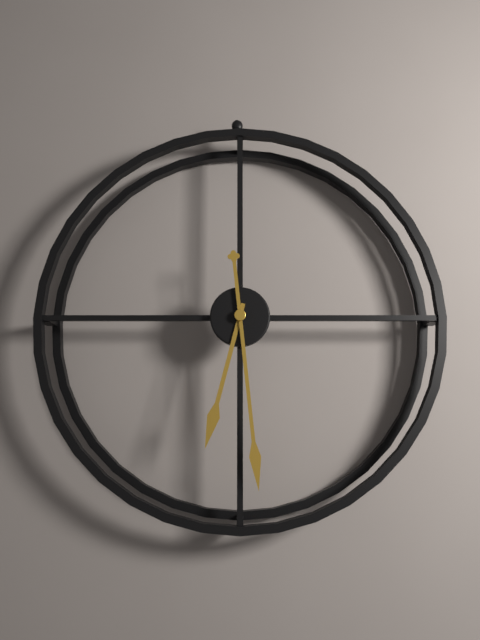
6:29
